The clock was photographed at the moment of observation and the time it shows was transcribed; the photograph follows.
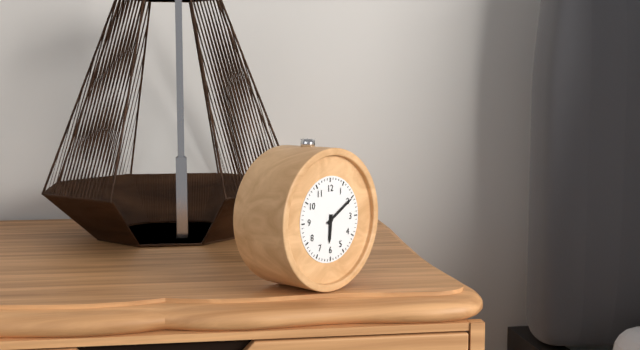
6:10
